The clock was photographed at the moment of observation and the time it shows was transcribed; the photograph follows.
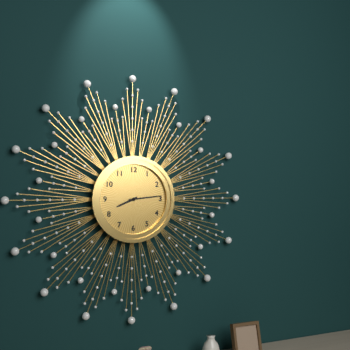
8:14
